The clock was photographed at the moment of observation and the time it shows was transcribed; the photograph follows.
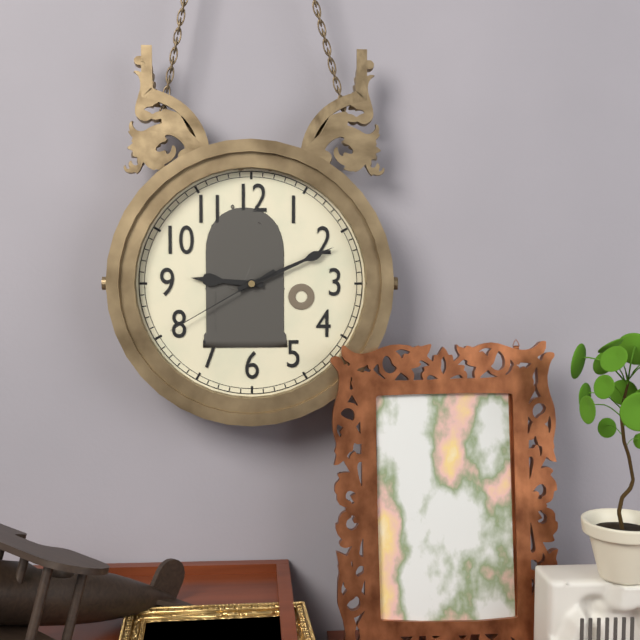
9:11:40
